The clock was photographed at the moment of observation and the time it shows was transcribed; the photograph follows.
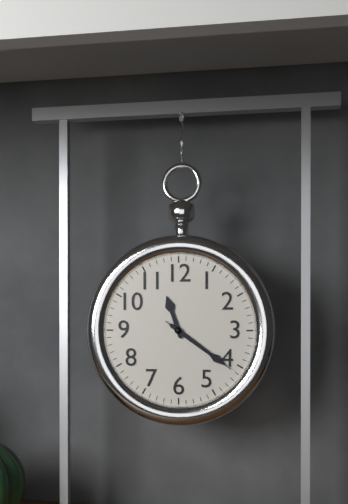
11:21:21
